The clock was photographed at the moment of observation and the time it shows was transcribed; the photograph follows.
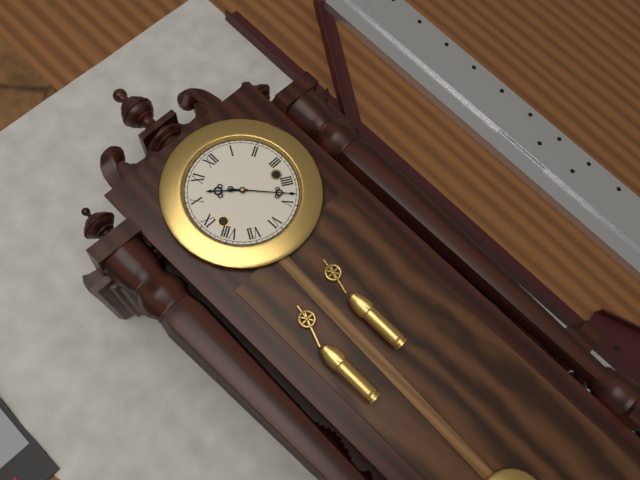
10:23
